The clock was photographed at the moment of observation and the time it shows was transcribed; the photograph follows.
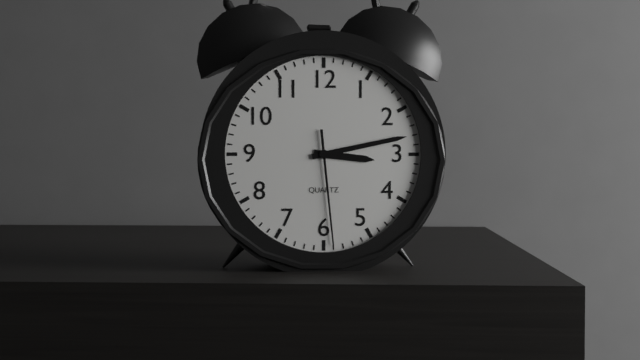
3:13:29
